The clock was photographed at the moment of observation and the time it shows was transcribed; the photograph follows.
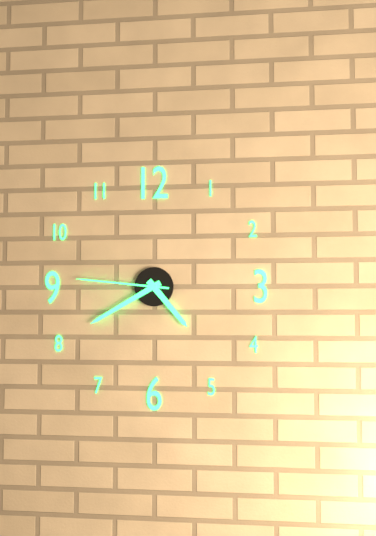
4:40:46
